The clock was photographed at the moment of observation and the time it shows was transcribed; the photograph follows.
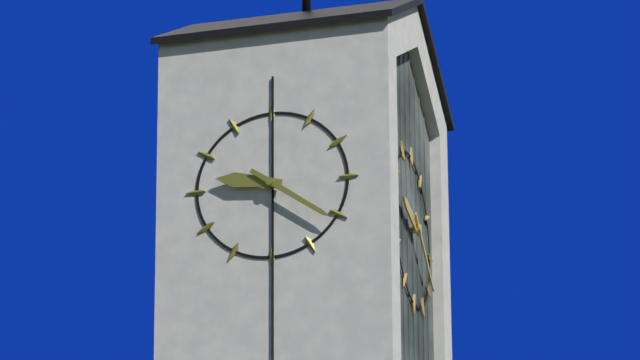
9:21
